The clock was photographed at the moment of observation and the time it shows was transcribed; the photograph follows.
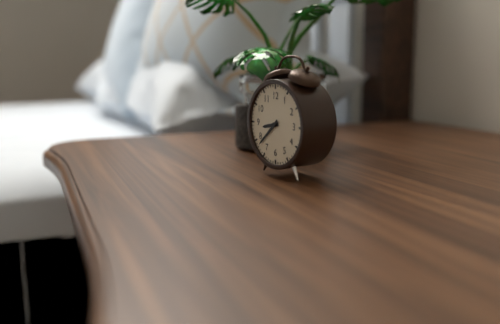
8:38
